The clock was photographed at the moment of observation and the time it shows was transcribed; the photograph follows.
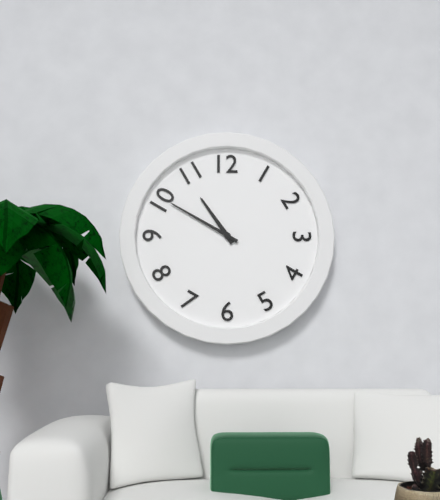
10:50
